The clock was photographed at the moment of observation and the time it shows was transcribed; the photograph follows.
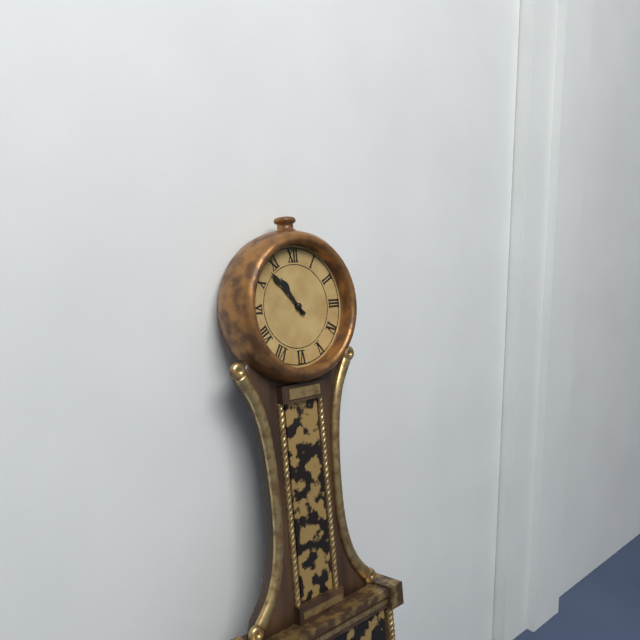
10:53
